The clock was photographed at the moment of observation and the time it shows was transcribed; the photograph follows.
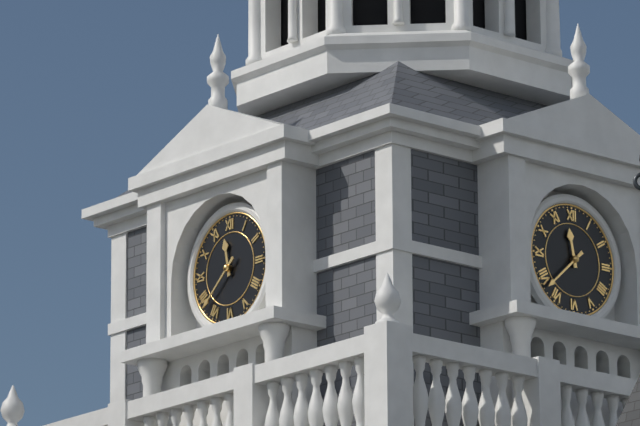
11:38
